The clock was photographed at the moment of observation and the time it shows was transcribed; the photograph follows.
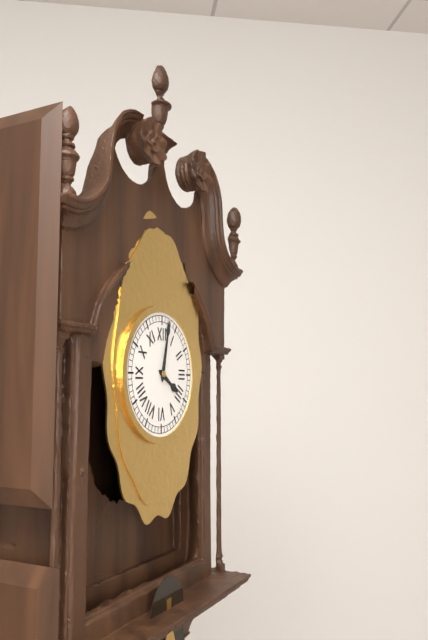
4:02
